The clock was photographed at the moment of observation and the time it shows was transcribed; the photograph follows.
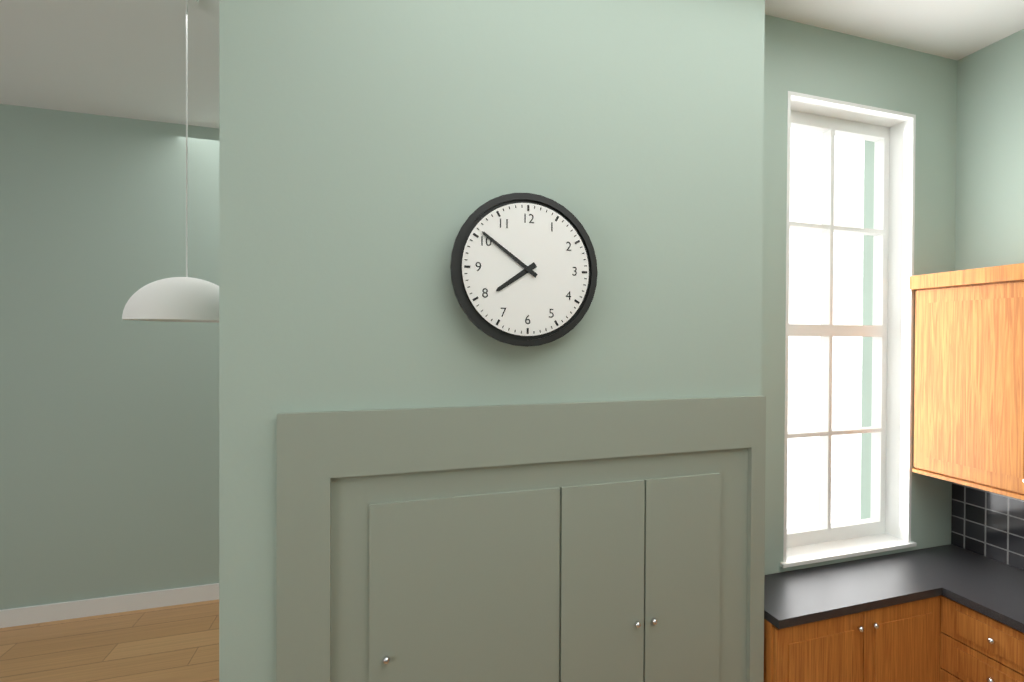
7:51
